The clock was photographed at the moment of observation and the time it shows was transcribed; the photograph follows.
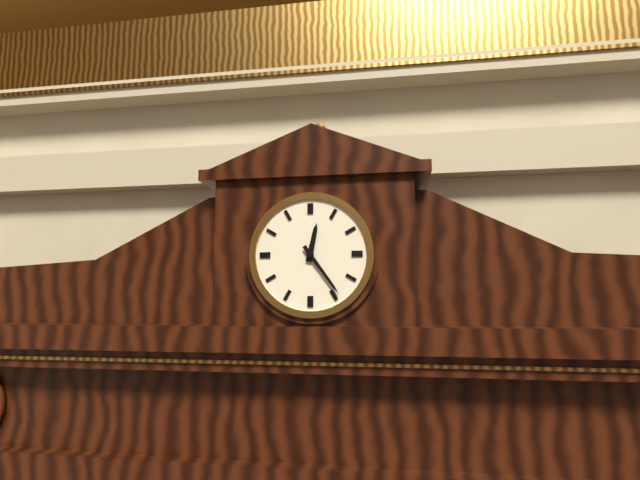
12:24
